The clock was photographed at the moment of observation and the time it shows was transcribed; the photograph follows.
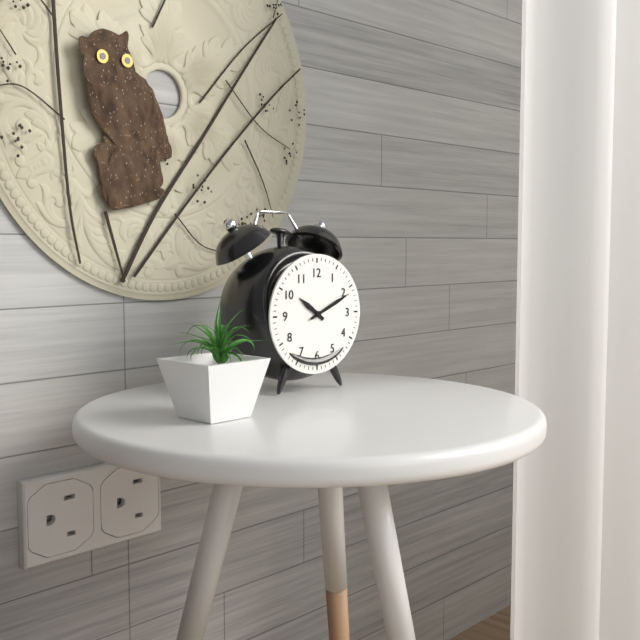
10:11
